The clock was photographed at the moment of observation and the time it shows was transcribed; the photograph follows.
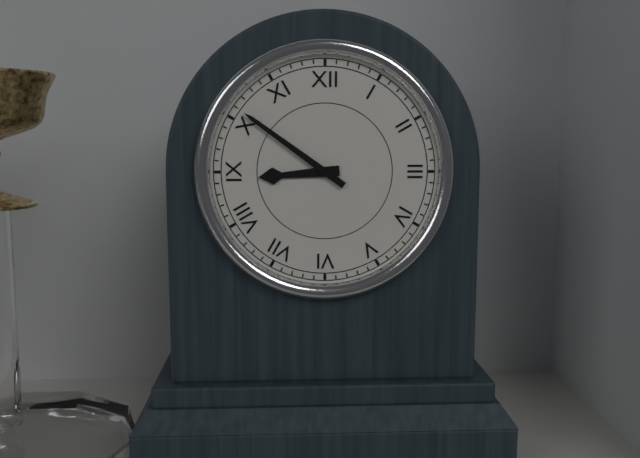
8:51
